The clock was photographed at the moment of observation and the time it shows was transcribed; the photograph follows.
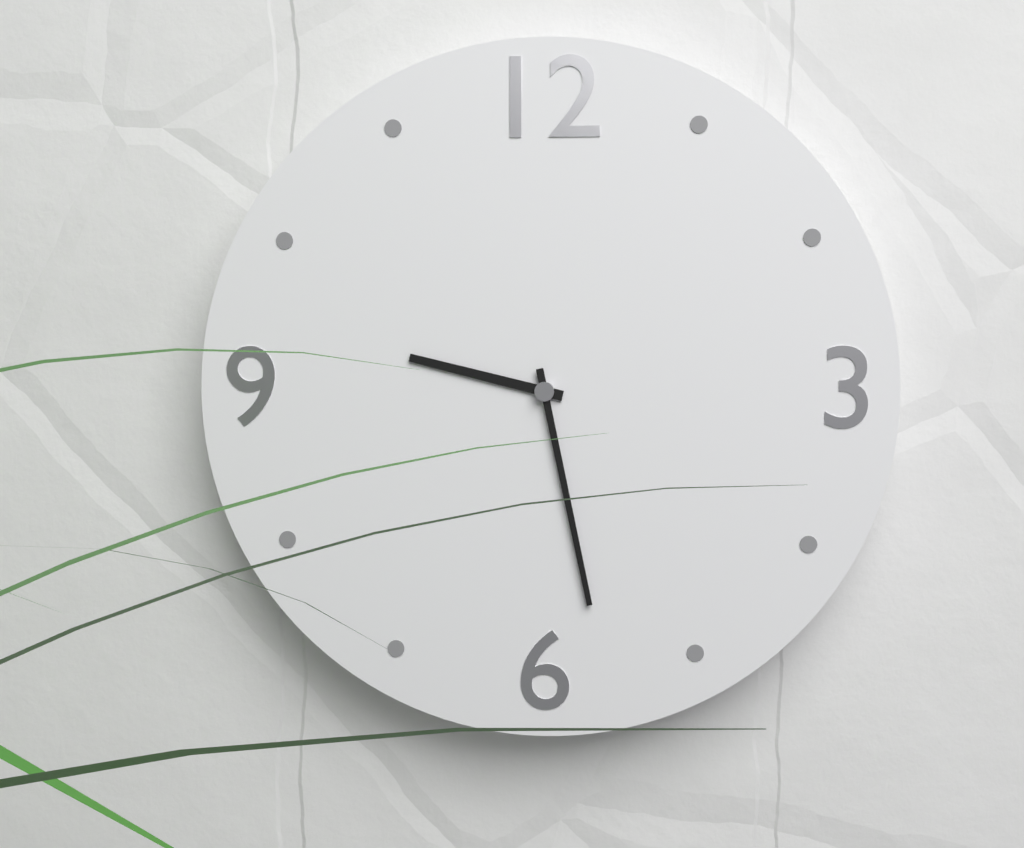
9:28
